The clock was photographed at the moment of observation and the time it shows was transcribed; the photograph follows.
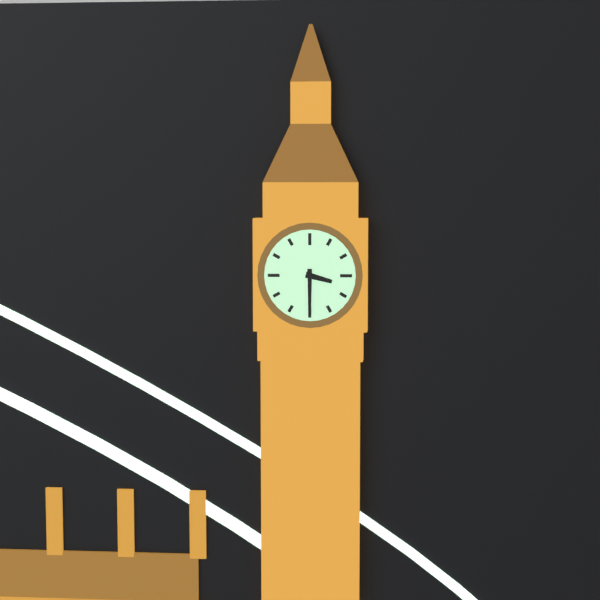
3:30
